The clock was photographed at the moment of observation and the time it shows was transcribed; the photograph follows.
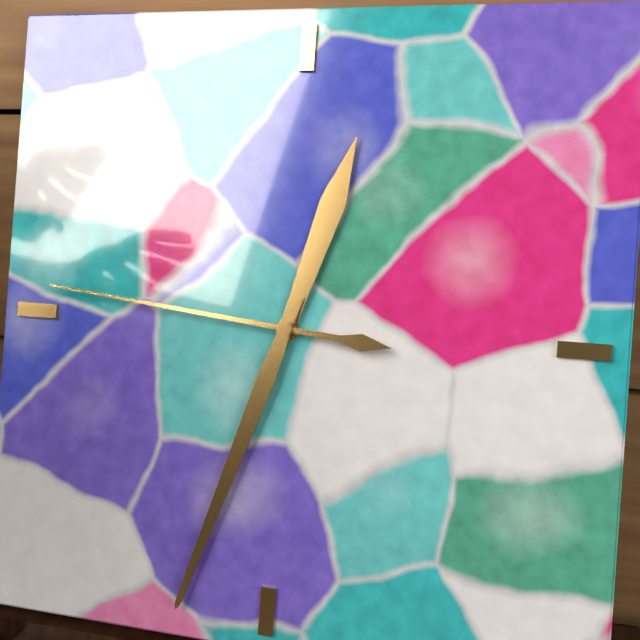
12:33:46
